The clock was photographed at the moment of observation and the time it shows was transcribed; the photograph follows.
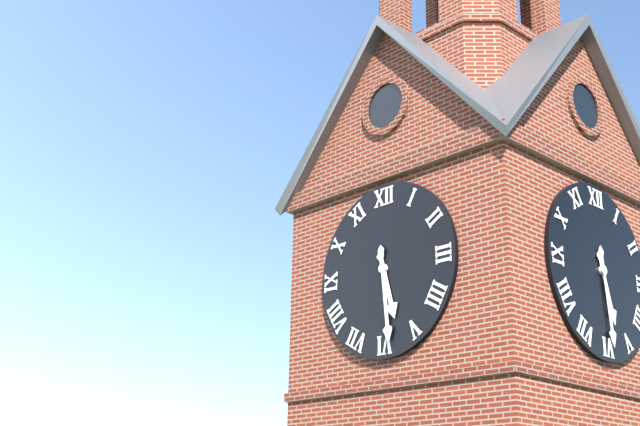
5:29
